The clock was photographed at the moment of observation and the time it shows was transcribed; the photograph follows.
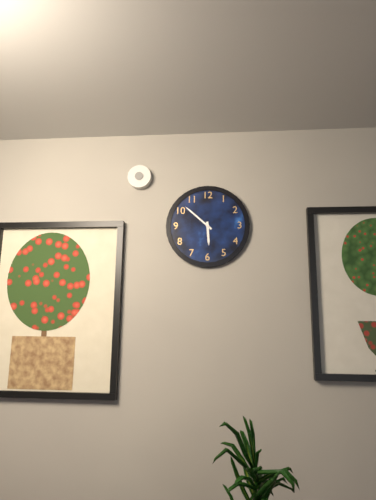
5:52
